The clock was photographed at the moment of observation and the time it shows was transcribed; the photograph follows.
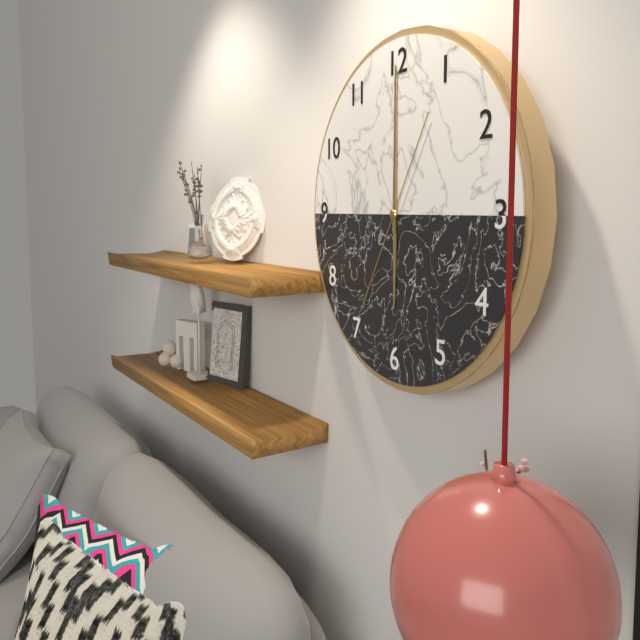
6:00:35
